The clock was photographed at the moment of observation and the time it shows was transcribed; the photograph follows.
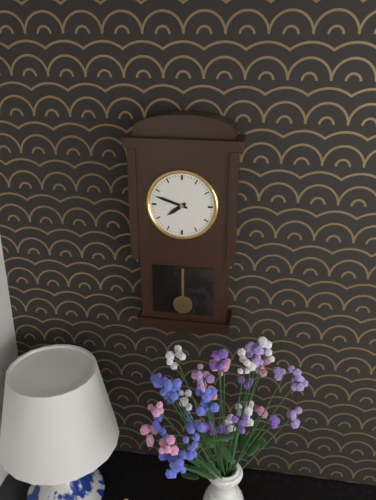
7:48
